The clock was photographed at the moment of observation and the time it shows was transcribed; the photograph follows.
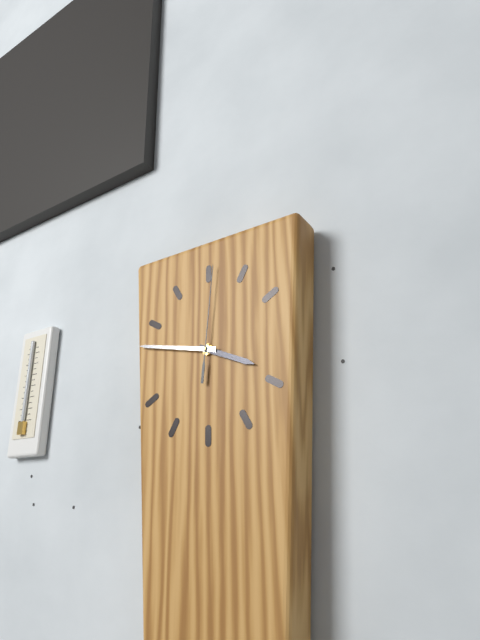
3:47:01
